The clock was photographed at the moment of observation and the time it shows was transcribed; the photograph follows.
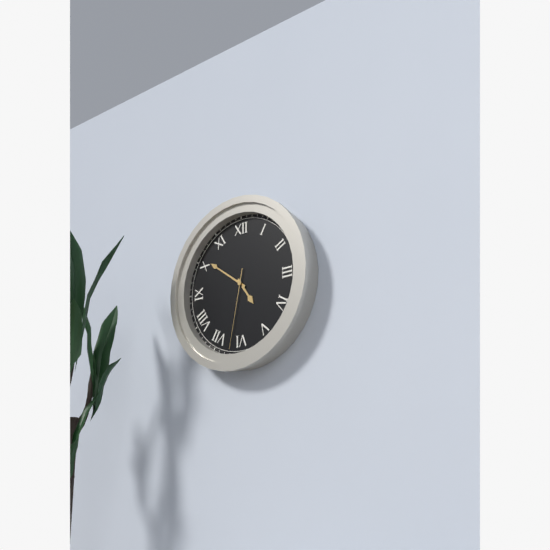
4:51:32
